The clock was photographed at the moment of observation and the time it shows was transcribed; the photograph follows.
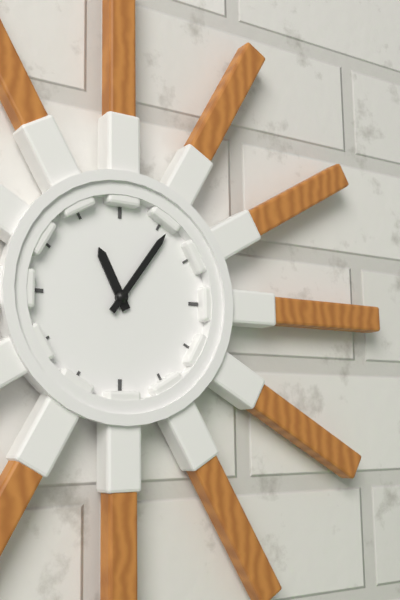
11:06
